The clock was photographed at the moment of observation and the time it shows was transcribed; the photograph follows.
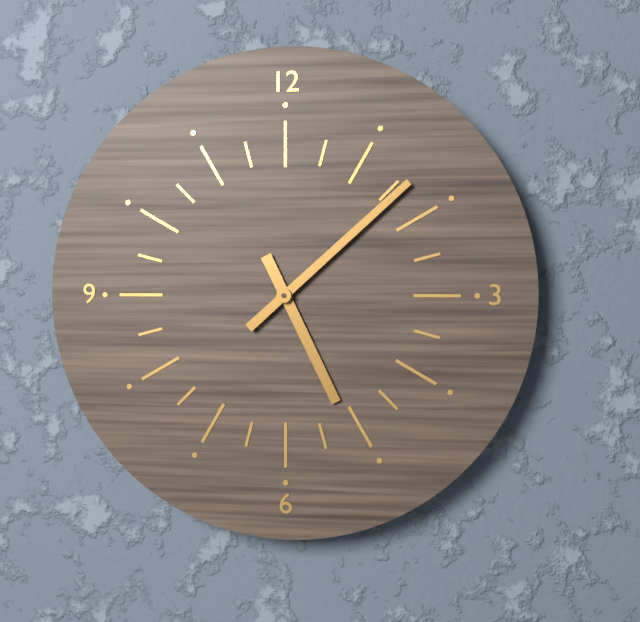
5:08
